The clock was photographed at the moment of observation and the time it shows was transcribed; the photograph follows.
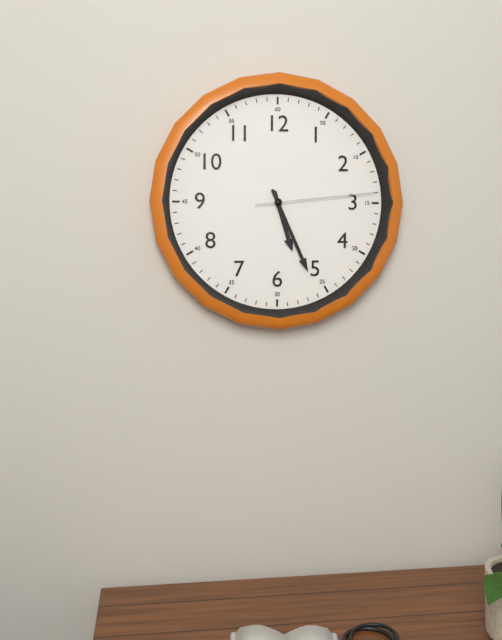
5:26:14
